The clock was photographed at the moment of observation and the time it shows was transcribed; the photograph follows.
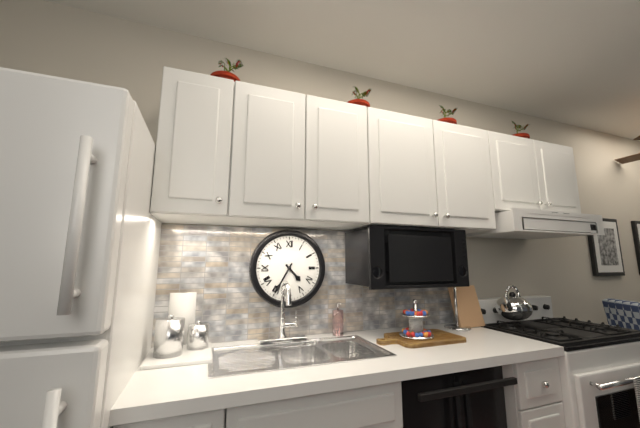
4:35
